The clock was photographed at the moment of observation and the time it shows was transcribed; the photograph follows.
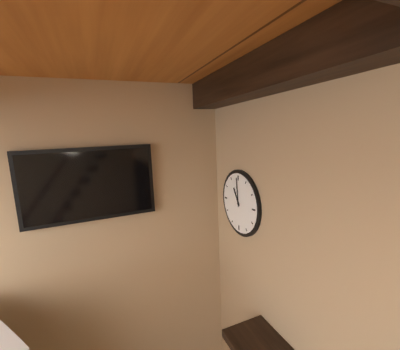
10:59
